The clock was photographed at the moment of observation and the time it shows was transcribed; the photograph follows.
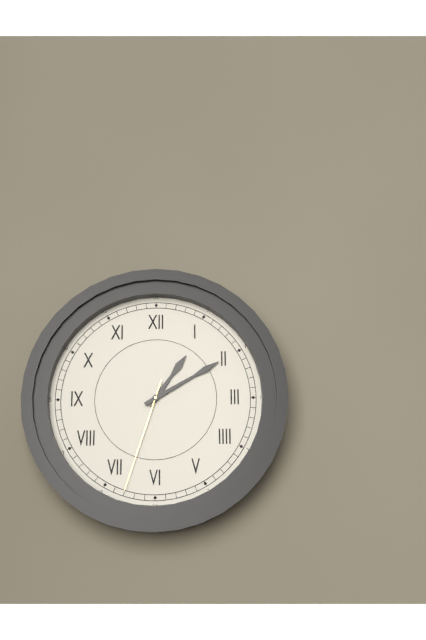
1:10:33
